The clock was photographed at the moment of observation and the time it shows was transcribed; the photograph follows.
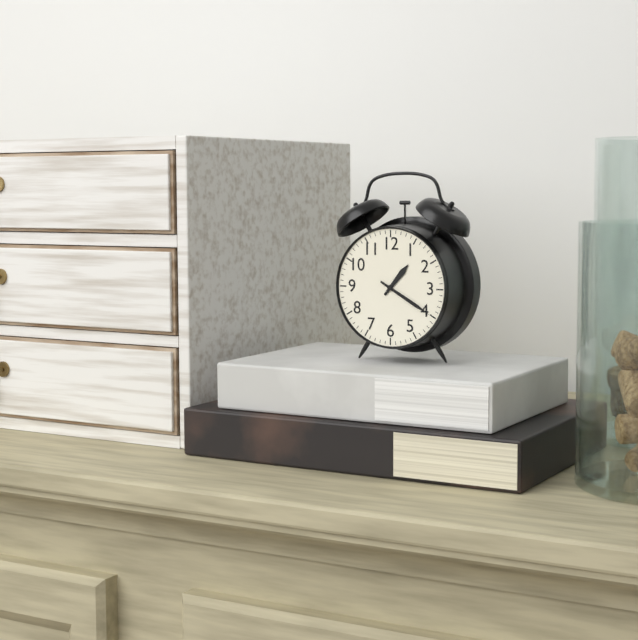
1:20
